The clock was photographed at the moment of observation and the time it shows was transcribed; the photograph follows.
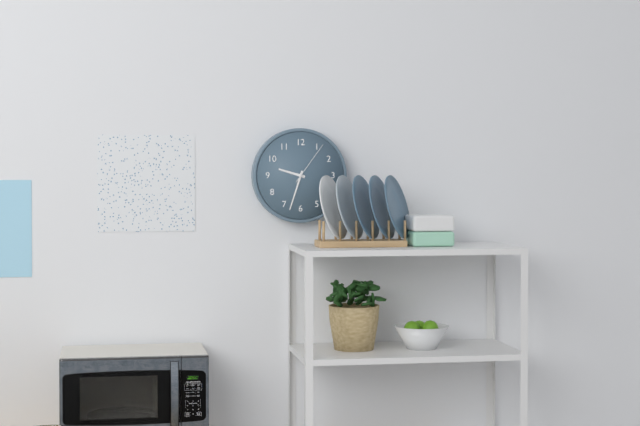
9:33
